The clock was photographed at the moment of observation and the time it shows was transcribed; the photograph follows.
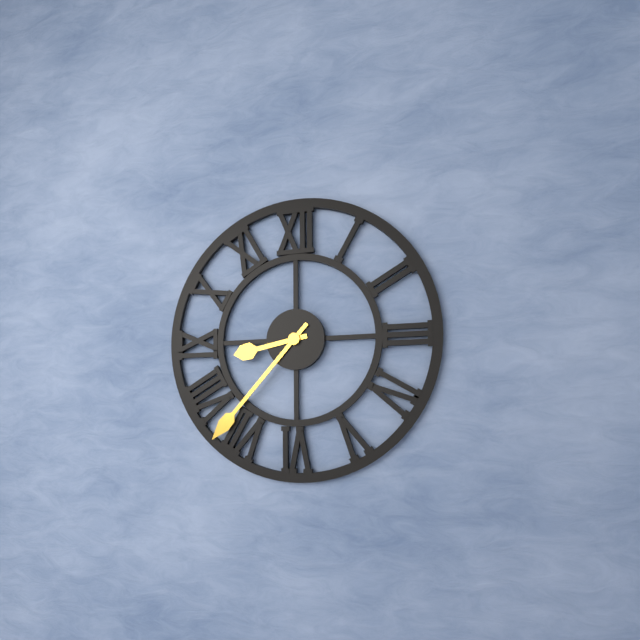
8:37
